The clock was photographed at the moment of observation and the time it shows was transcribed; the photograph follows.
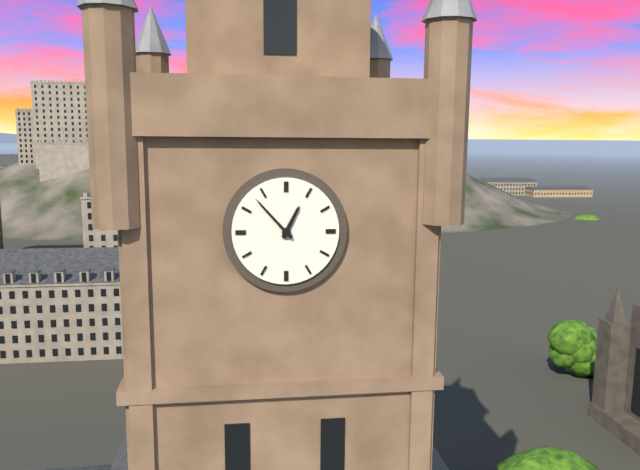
12:53
